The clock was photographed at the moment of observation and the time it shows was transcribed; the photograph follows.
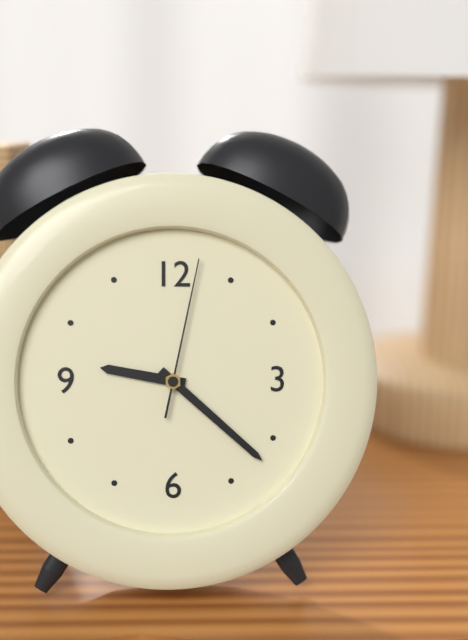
9:22:02
